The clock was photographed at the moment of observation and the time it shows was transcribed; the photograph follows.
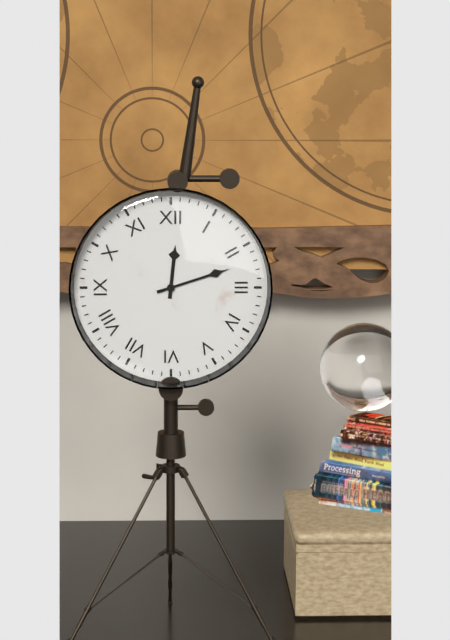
12:12
